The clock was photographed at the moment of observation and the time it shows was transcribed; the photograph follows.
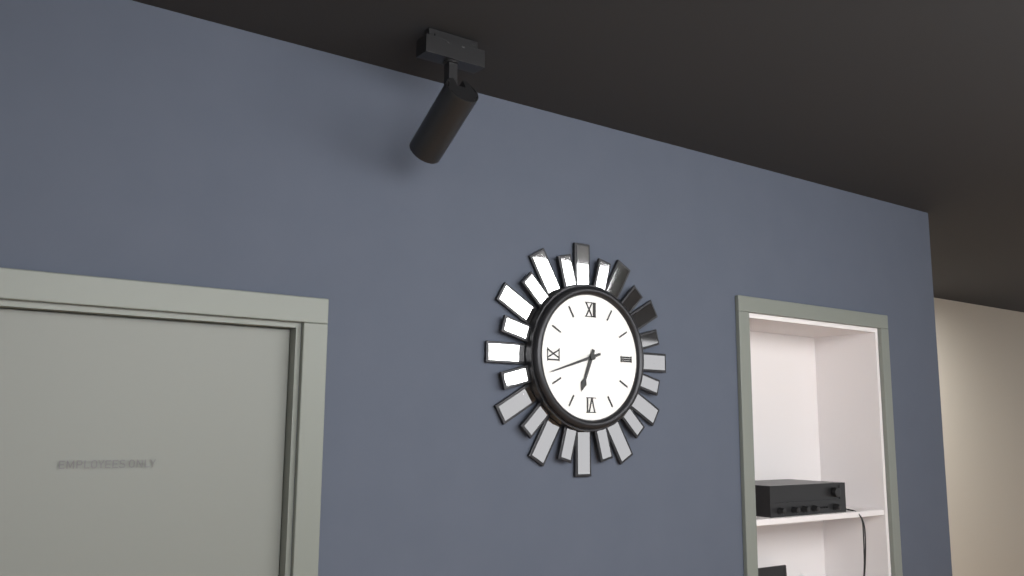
6:42
